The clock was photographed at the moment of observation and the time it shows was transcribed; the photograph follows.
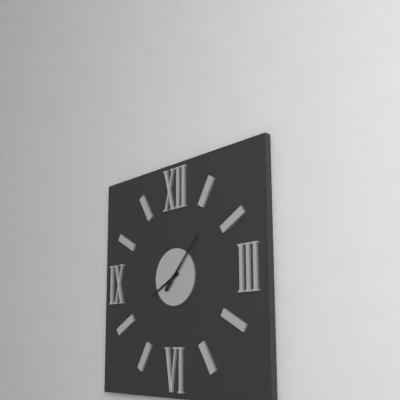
8:07
